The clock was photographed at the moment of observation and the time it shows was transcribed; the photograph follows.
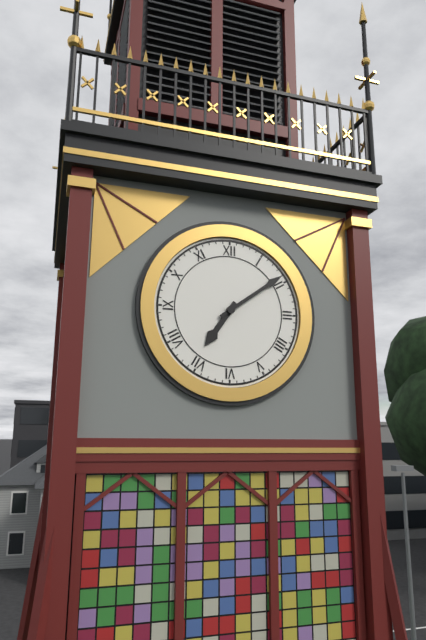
7:09
